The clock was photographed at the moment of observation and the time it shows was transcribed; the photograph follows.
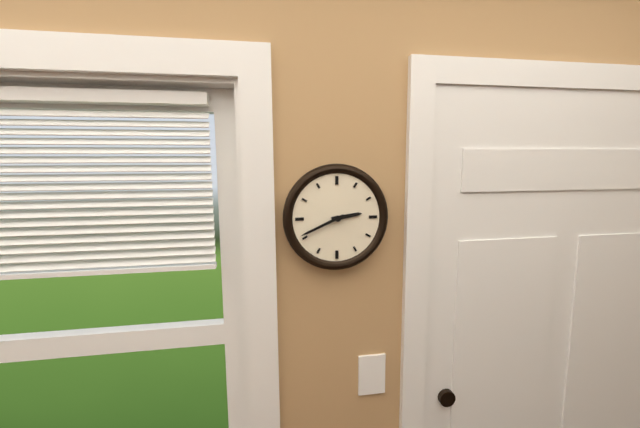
2:41
